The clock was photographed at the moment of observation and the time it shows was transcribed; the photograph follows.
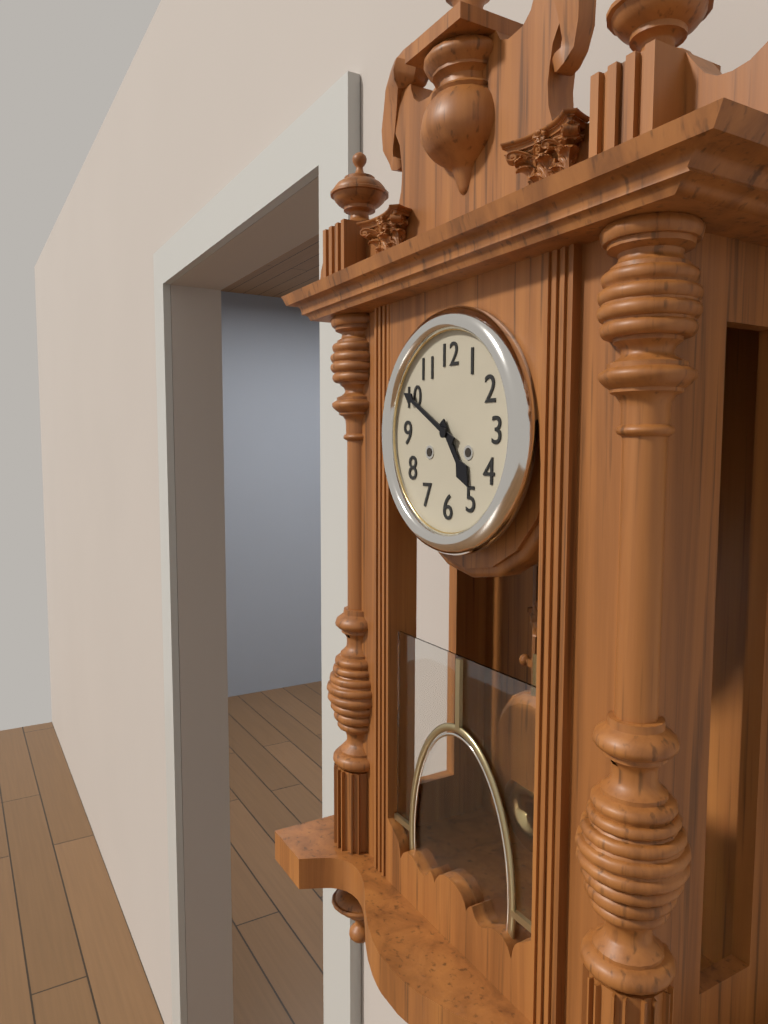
4:50
